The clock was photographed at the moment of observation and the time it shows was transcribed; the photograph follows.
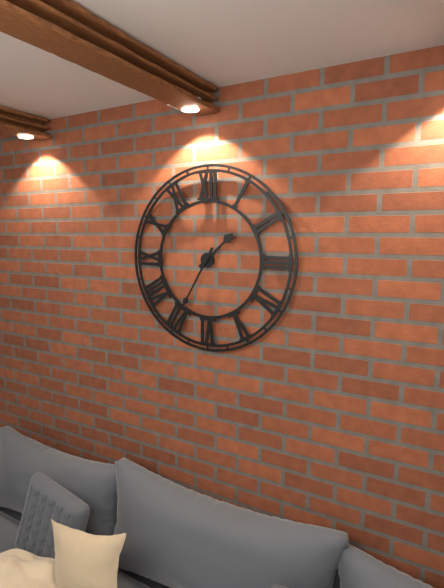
1:35
